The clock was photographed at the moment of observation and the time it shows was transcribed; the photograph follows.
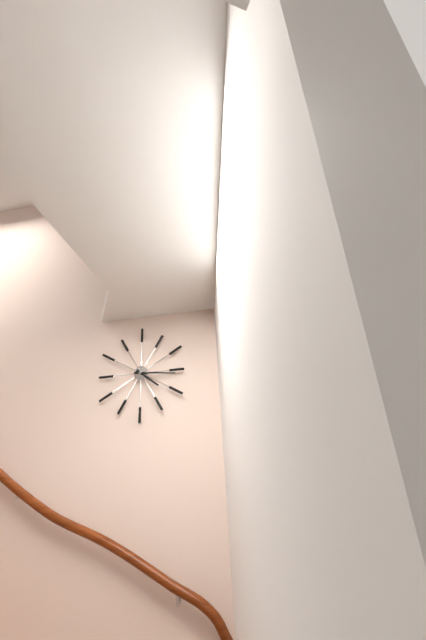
4:16
